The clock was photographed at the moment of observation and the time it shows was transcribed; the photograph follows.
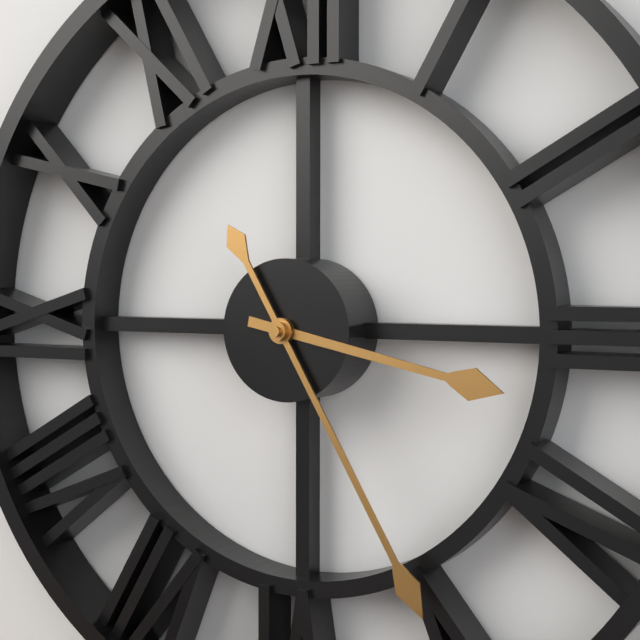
3:25
